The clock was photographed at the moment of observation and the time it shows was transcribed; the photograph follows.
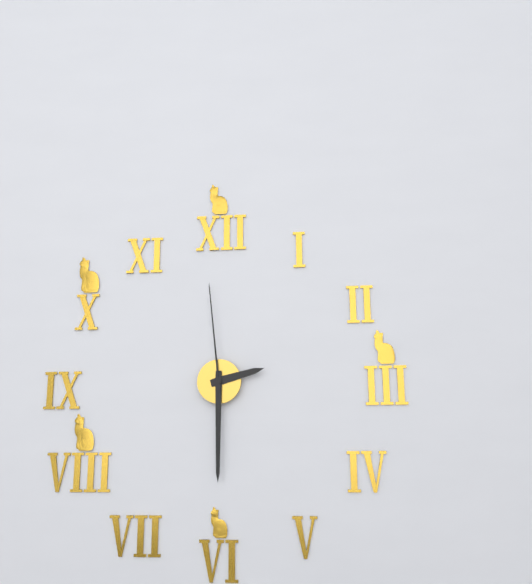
2:30:59
